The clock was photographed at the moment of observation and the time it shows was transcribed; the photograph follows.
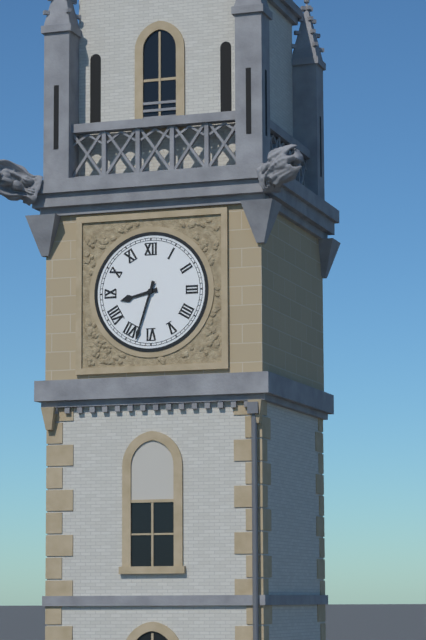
8:33
